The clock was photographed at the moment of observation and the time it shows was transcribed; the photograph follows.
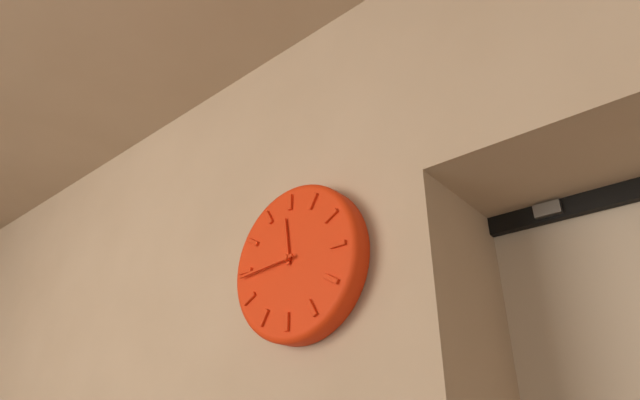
11:44
